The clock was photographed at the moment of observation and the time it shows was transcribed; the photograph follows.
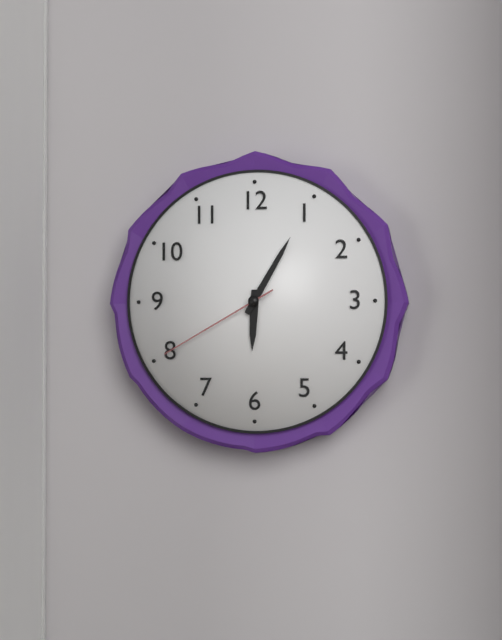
6:05:40
